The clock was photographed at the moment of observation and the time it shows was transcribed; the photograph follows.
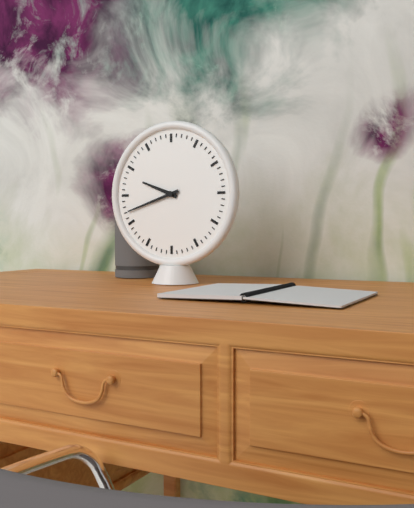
9:42
